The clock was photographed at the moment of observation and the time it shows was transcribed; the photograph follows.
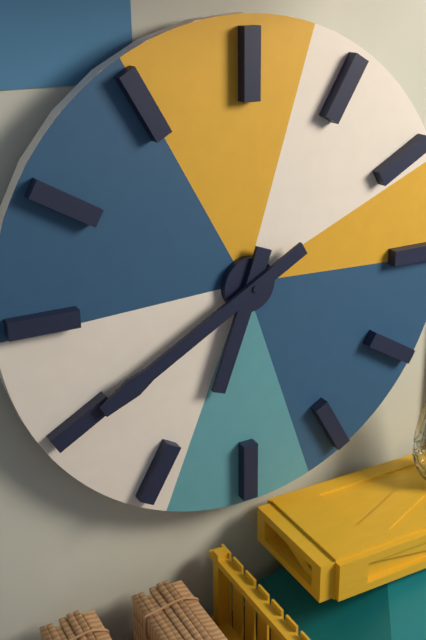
6:40
